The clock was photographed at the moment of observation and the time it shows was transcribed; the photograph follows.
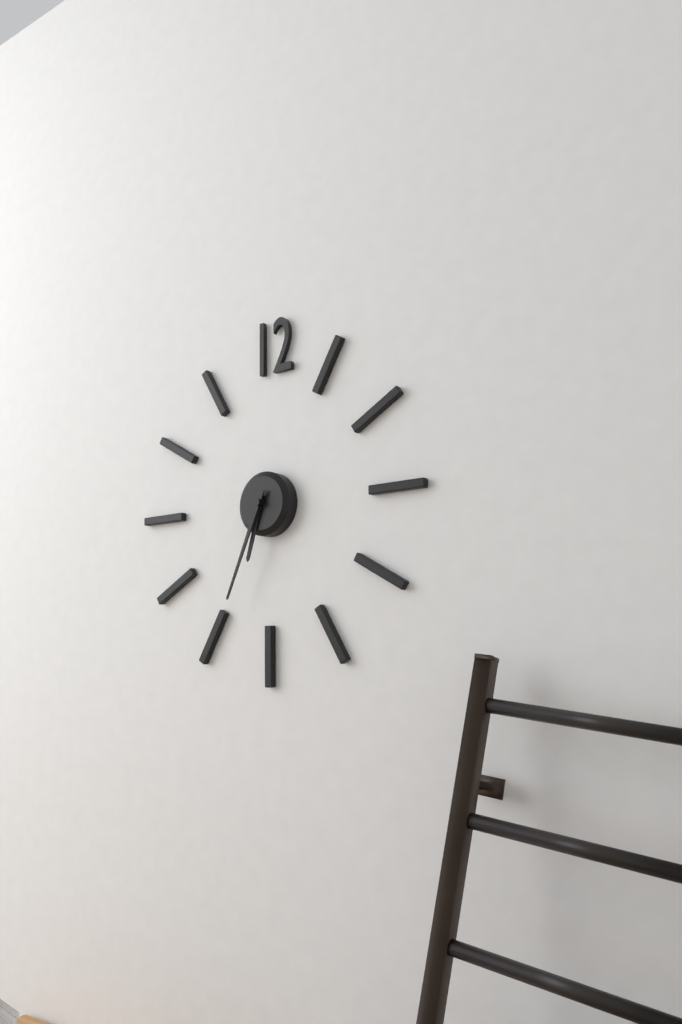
6:34
